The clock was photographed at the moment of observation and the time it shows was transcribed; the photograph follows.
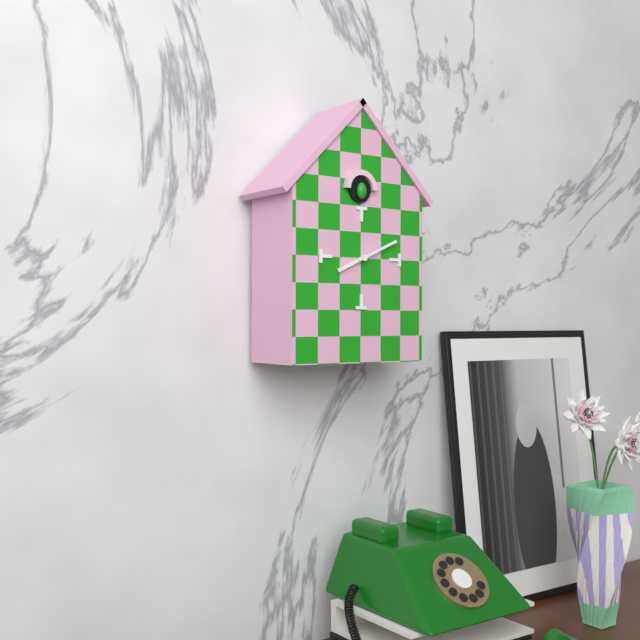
8:11
